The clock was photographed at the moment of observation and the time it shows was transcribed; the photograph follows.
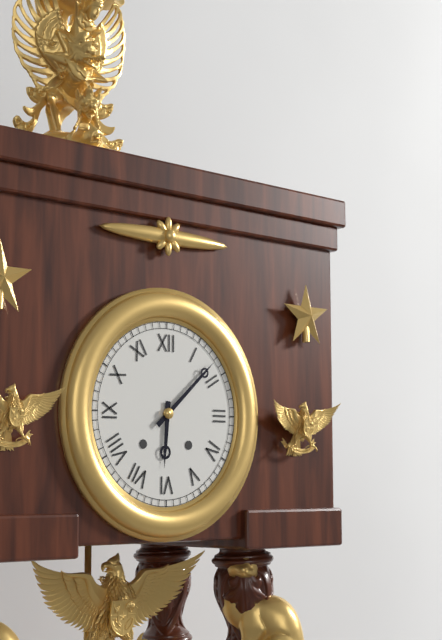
6:08
